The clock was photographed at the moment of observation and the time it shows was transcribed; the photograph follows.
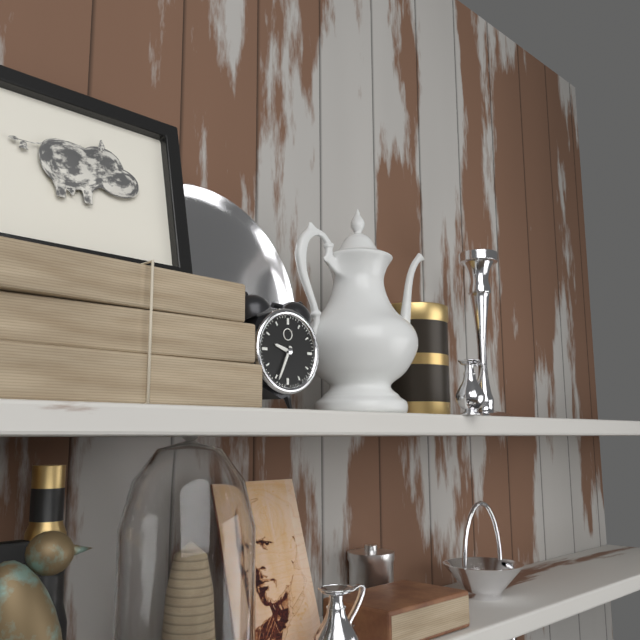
9:34
